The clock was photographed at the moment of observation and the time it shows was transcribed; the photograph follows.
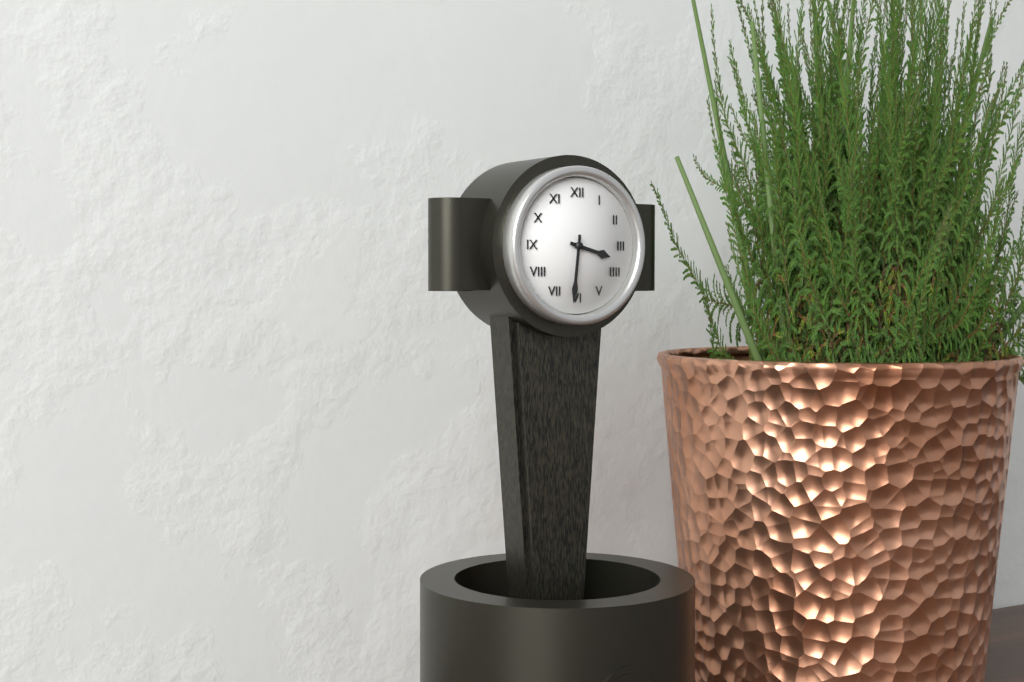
3:31
